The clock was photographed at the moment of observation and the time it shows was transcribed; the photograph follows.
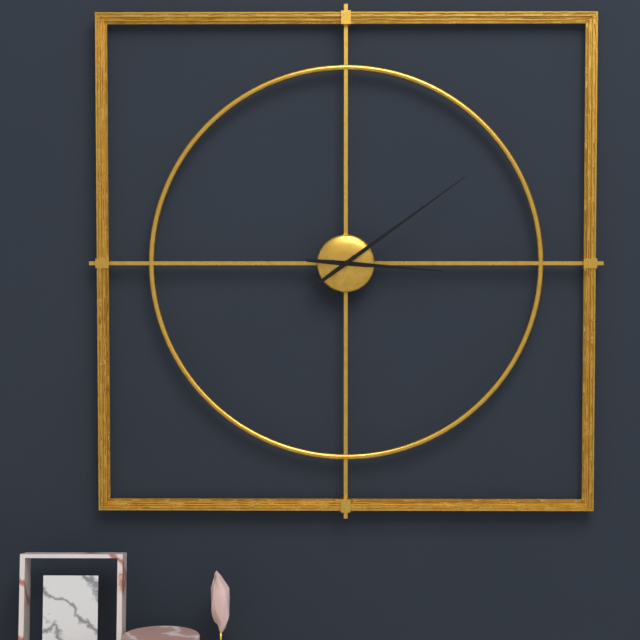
3:09
